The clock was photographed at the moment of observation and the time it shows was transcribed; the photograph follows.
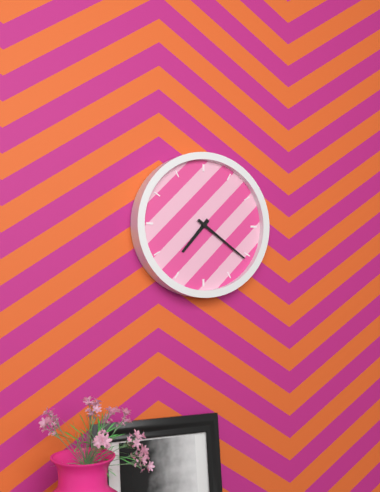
7:21
